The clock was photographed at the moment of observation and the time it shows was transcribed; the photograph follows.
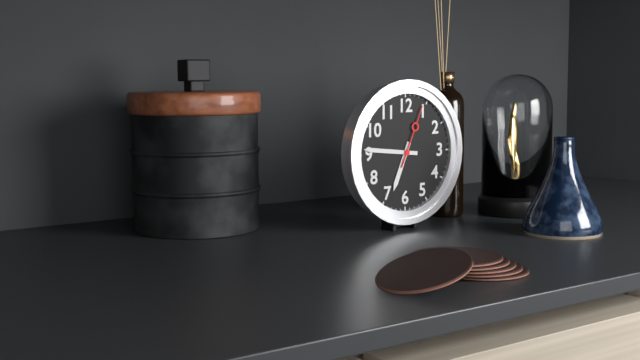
6:46:04
